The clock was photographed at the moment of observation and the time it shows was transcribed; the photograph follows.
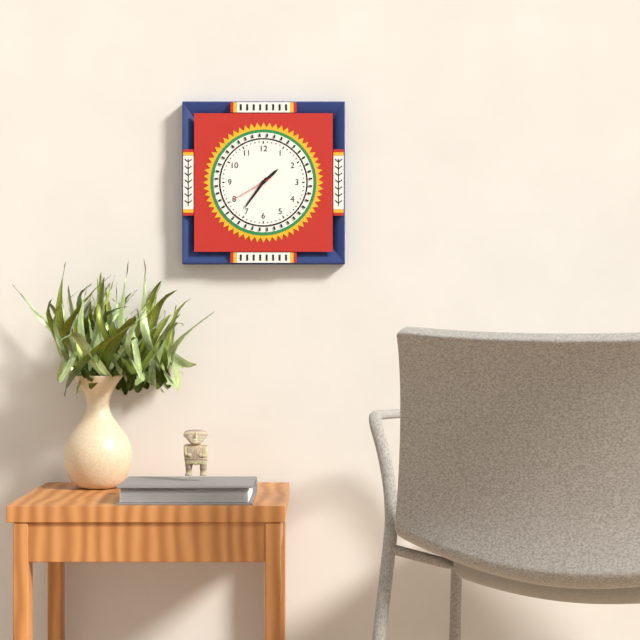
1:36
